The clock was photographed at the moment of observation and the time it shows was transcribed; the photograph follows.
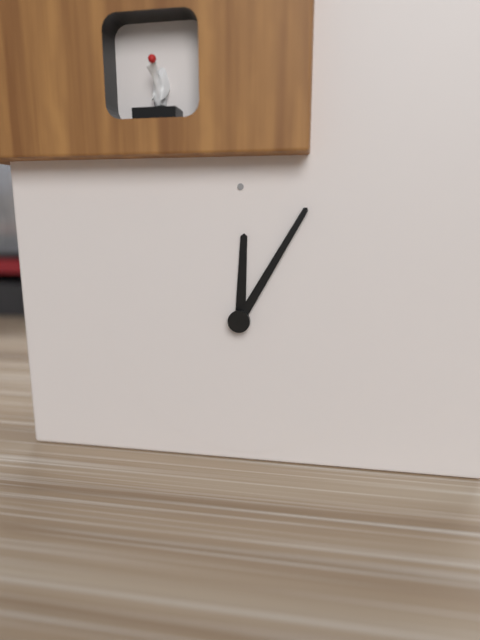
12:05
